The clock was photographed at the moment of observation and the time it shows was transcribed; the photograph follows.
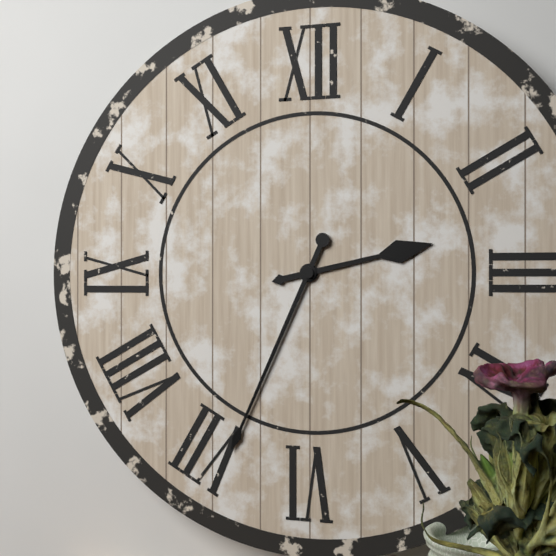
2:34
